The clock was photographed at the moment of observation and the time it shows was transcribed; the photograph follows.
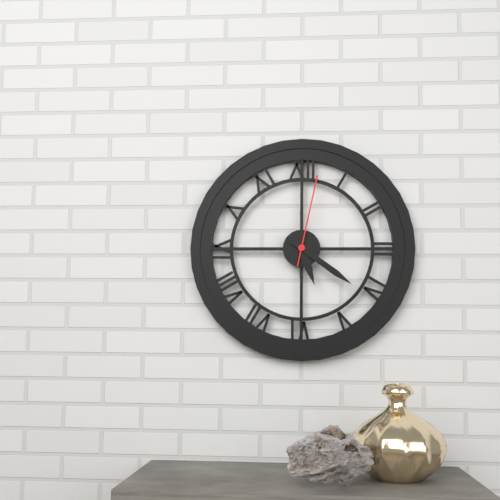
5:21:02
